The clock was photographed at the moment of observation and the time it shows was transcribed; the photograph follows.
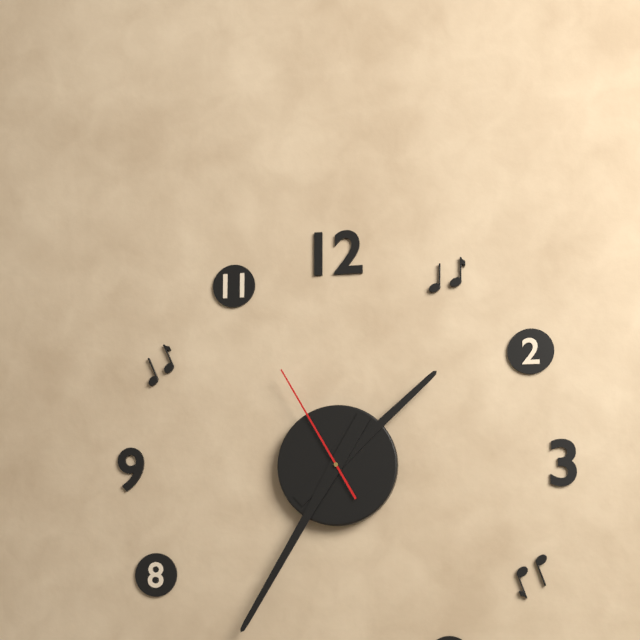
1:35:55
